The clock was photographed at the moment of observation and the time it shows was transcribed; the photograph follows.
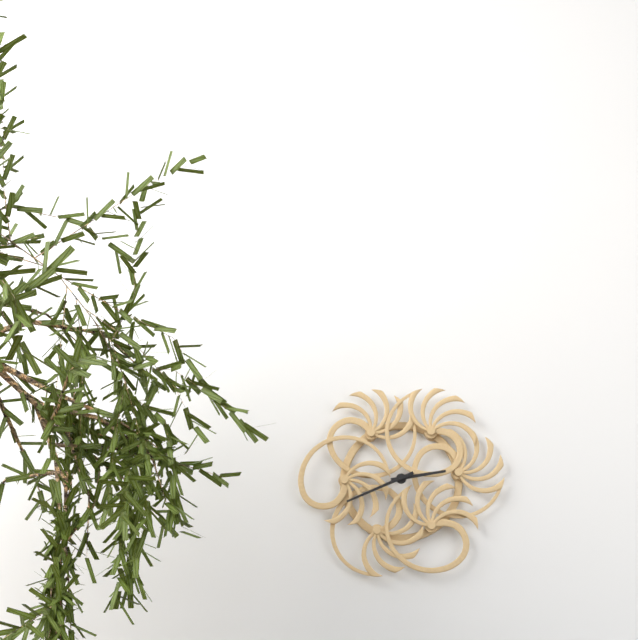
2:41
